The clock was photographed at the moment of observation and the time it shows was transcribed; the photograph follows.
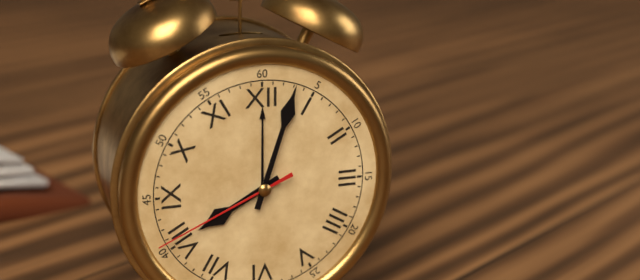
8:03:41
